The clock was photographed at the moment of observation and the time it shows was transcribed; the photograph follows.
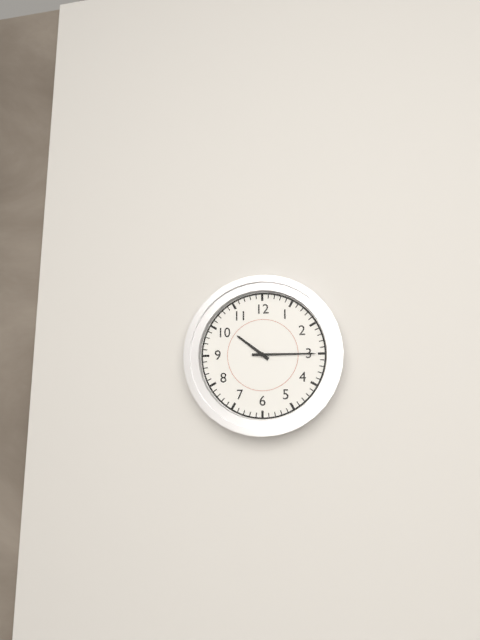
10:15
